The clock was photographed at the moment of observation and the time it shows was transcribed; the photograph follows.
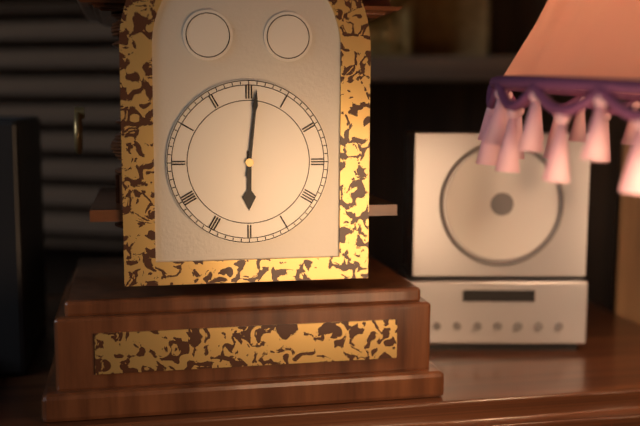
6:01
